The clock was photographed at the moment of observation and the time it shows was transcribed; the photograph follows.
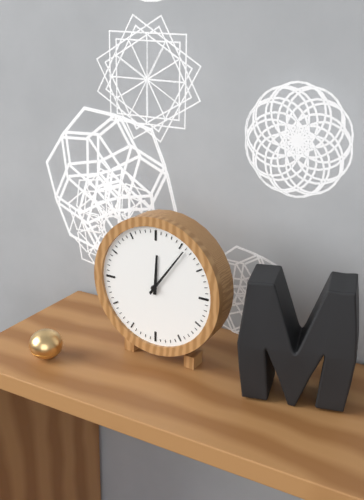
12:06
